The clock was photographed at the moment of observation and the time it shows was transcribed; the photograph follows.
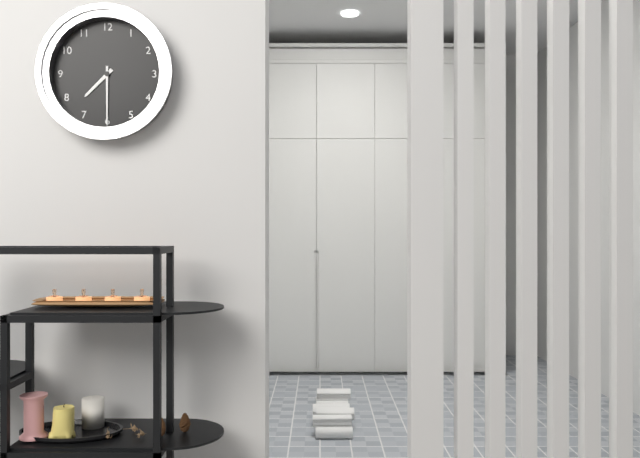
7:30
